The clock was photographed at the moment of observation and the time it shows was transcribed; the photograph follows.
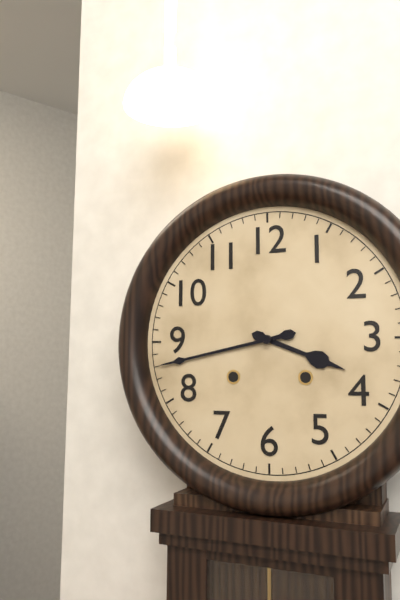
3:43
